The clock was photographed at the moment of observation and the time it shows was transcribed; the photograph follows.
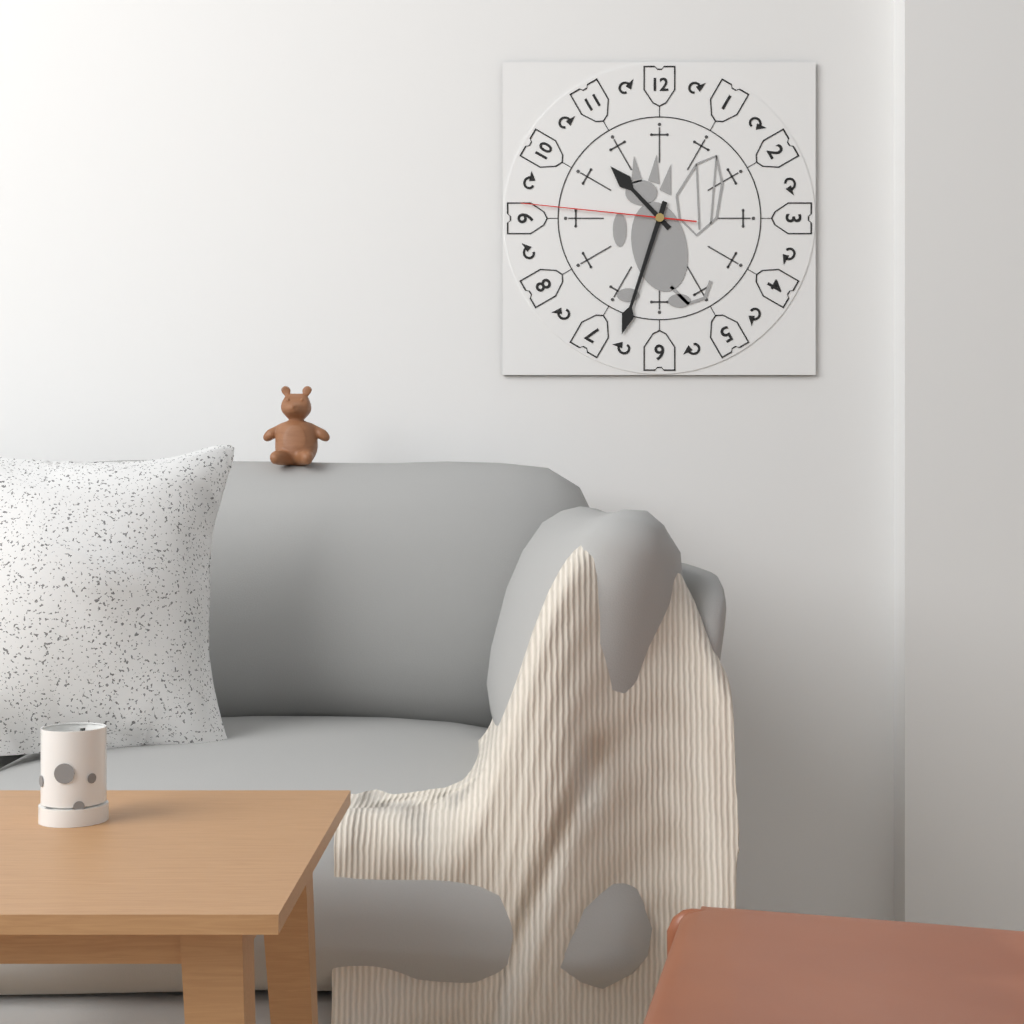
10:33:46
